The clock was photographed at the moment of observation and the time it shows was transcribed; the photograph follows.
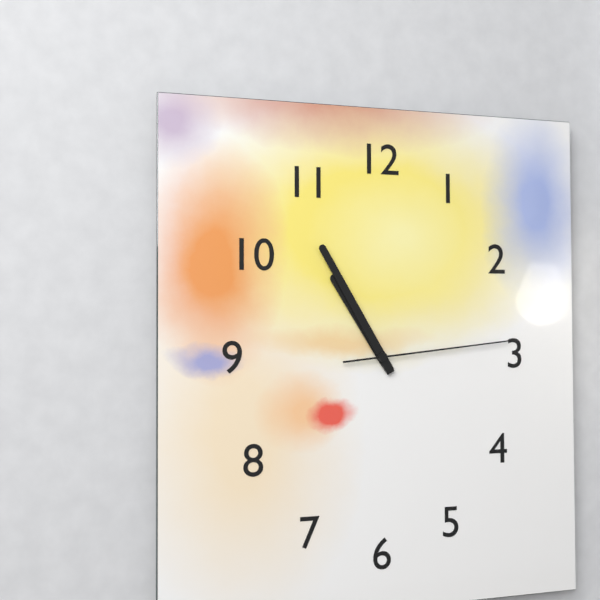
10:55:14
